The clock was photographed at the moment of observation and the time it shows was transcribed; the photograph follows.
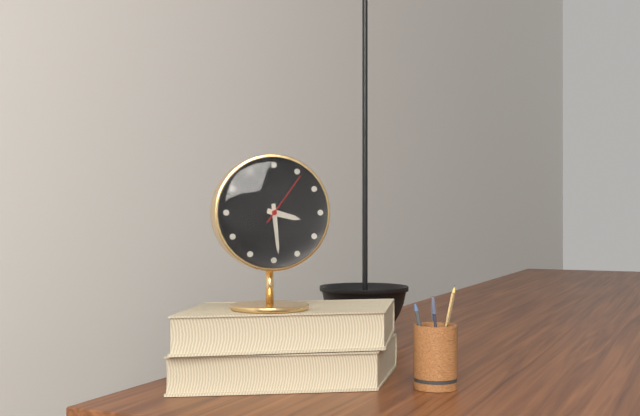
3:29:06
